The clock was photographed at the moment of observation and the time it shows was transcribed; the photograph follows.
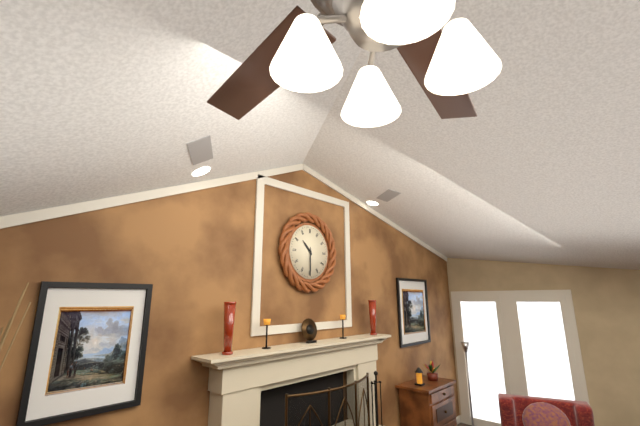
10:30
